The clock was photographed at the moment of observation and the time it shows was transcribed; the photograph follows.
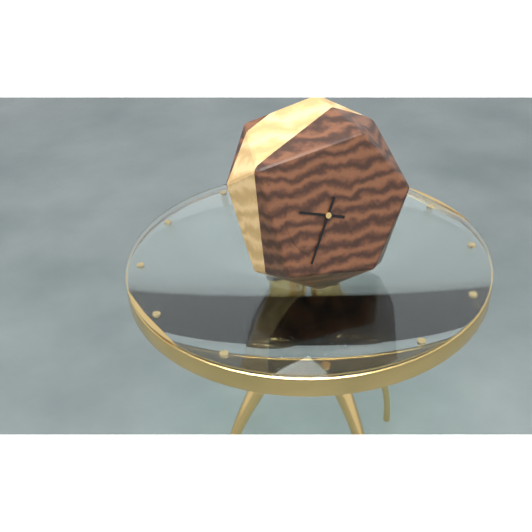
9:35
